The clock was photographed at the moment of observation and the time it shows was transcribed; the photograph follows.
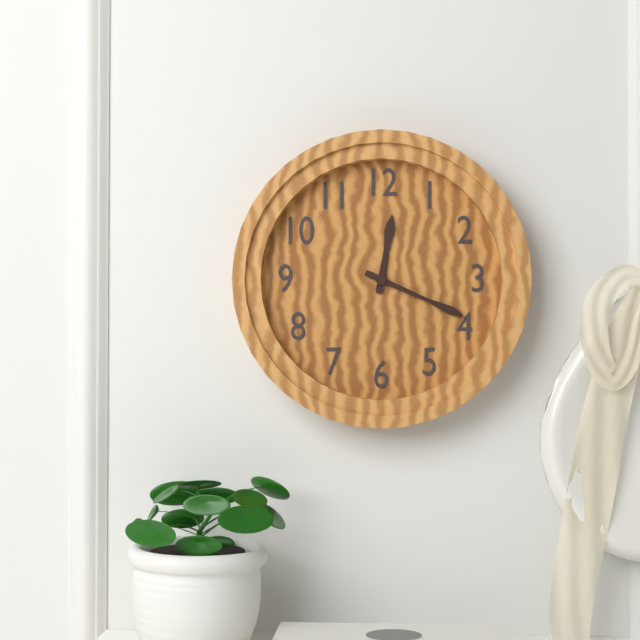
12:19
